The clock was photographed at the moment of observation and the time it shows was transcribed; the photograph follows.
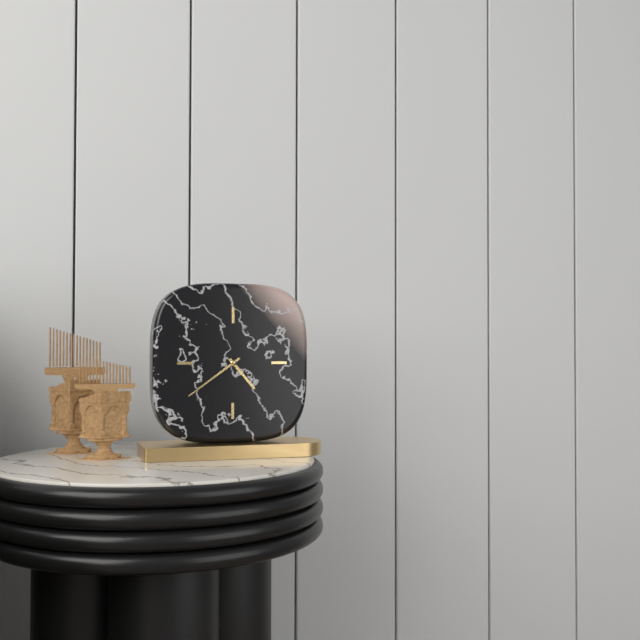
4:39
